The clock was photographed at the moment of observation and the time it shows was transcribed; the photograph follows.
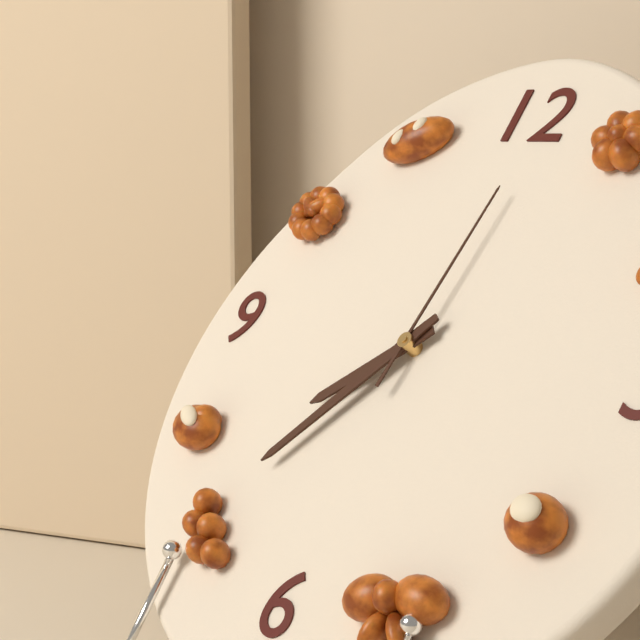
7:36:01
